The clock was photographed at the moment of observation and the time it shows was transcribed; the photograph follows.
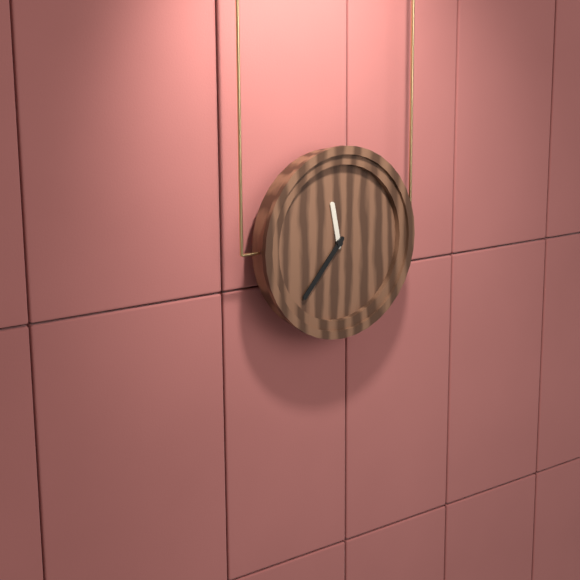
11:37
